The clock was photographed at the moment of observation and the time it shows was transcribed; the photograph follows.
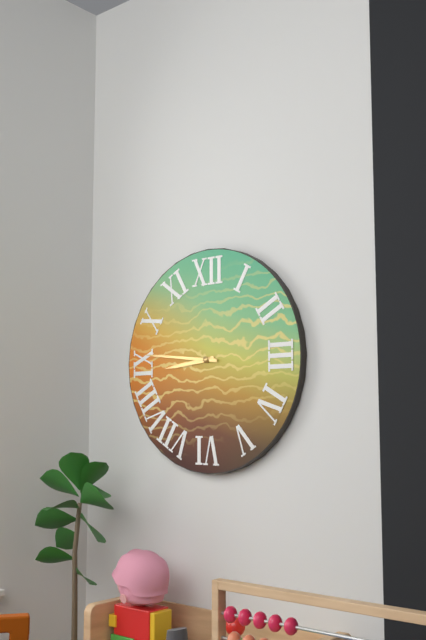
8:46
